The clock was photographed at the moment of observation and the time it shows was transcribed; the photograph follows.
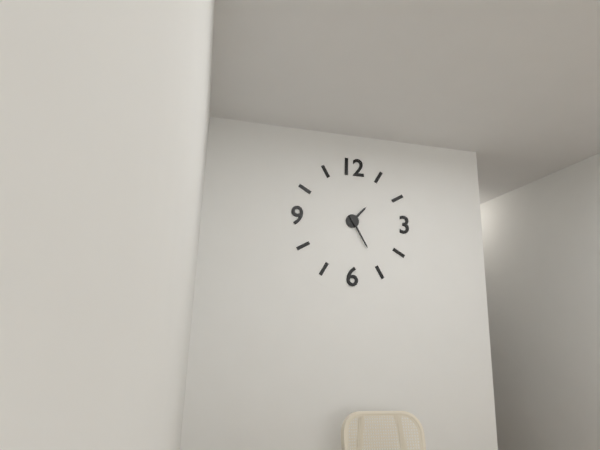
1:25
